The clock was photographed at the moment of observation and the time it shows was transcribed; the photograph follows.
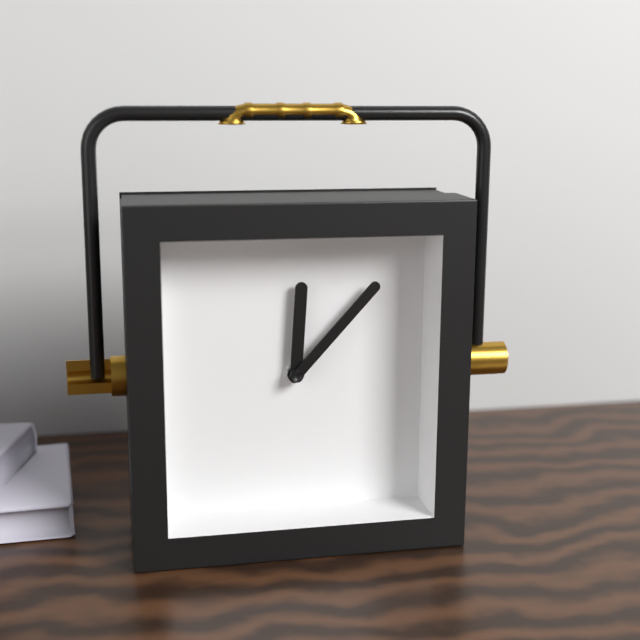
12:07
